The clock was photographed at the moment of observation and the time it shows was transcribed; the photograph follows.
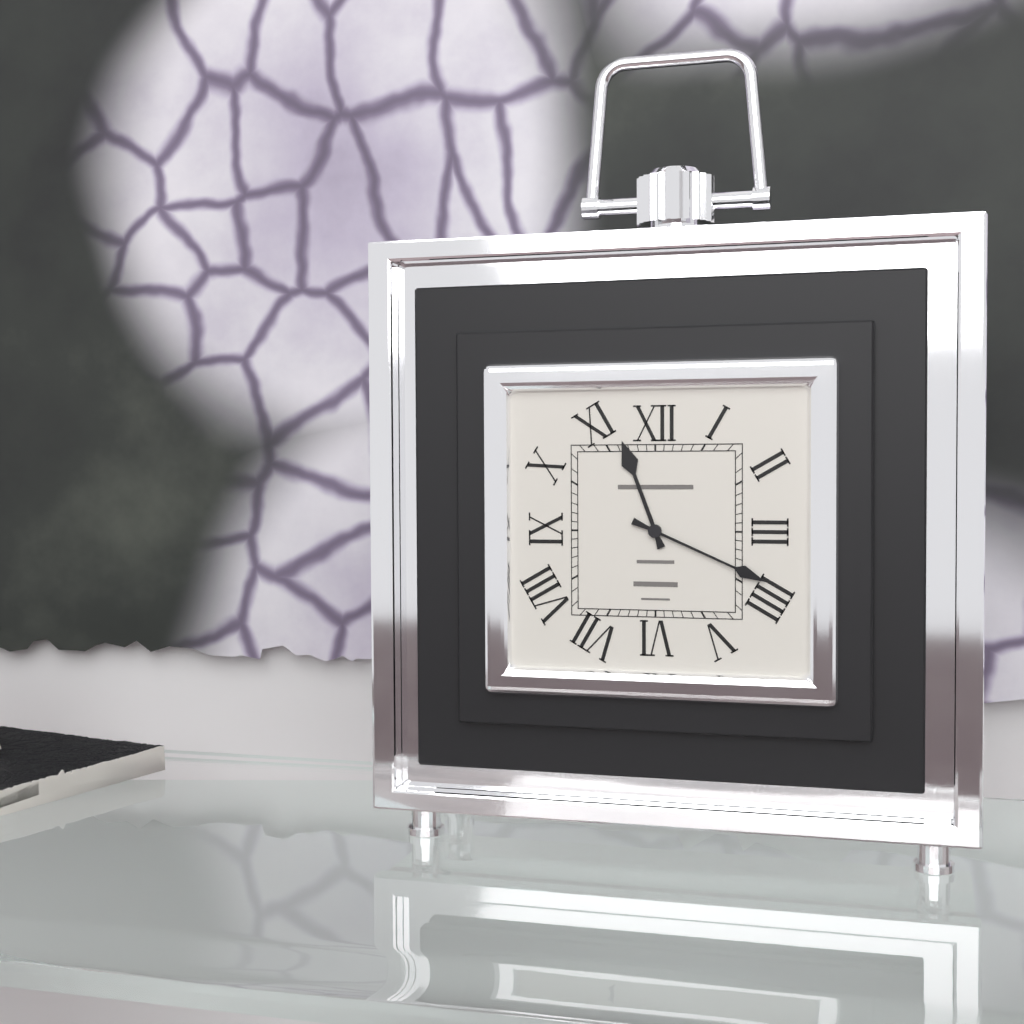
11:19
